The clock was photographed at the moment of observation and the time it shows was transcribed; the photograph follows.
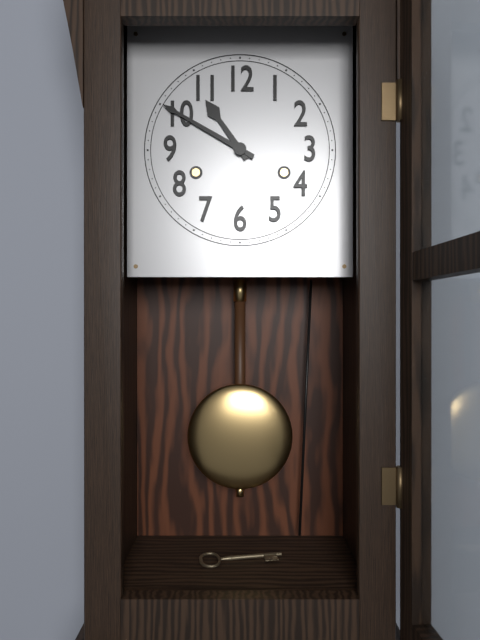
10:50
